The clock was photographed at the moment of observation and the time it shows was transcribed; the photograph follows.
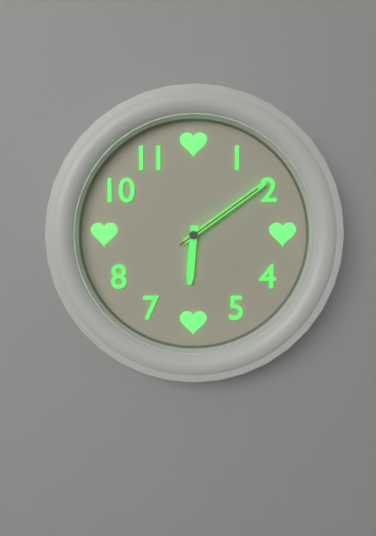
6:09:09
